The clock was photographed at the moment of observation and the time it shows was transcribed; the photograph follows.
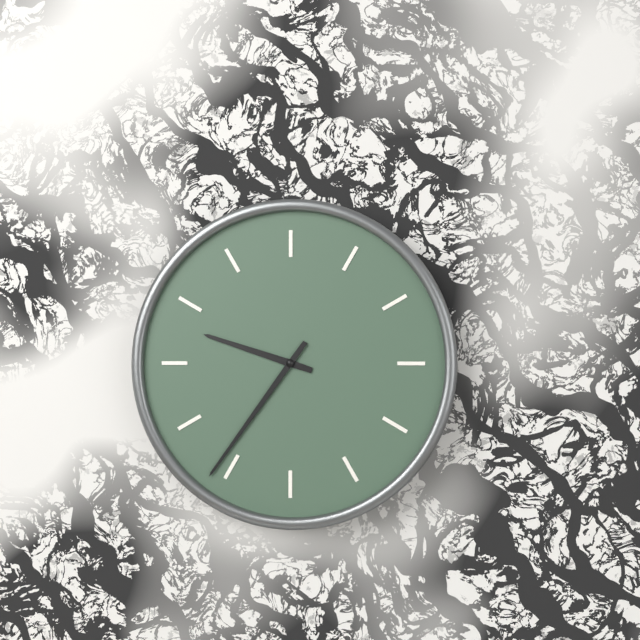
9:36
